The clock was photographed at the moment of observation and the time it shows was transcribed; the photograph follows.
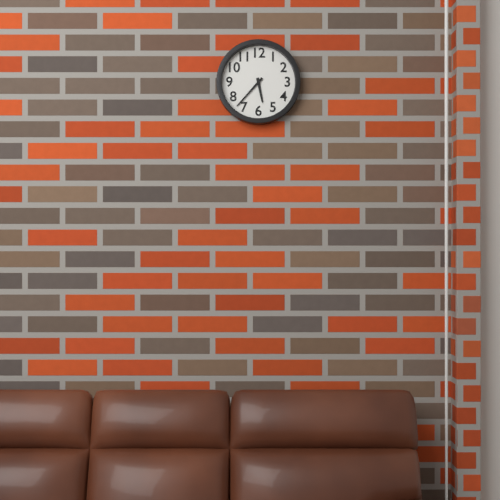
5:37
